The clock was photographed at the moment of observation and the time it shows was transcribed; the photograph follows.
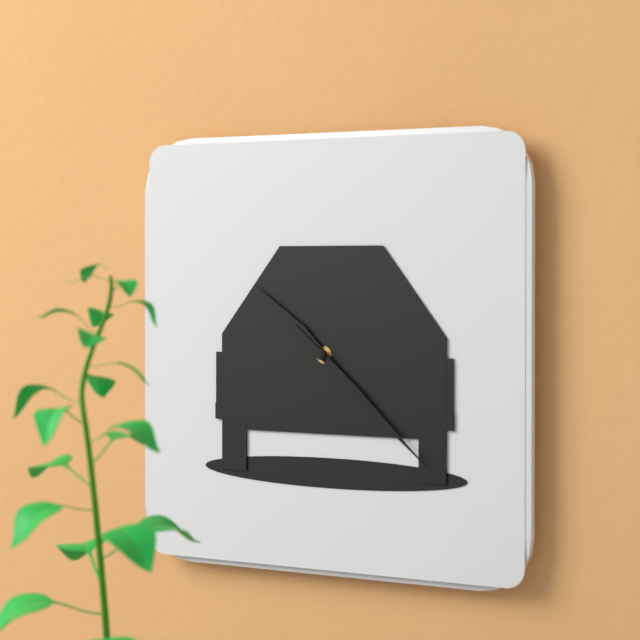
10:22
